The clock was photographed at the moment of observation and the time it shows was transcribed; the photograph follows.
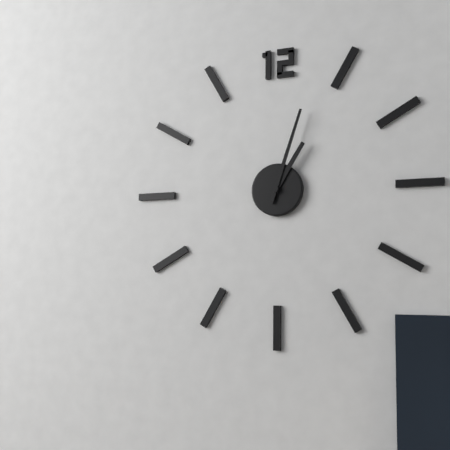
1:03
